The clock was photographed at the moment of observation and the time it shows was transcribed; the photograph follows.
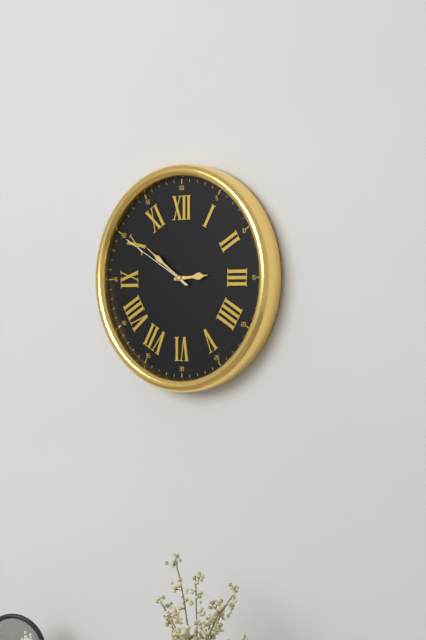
2:51:50
